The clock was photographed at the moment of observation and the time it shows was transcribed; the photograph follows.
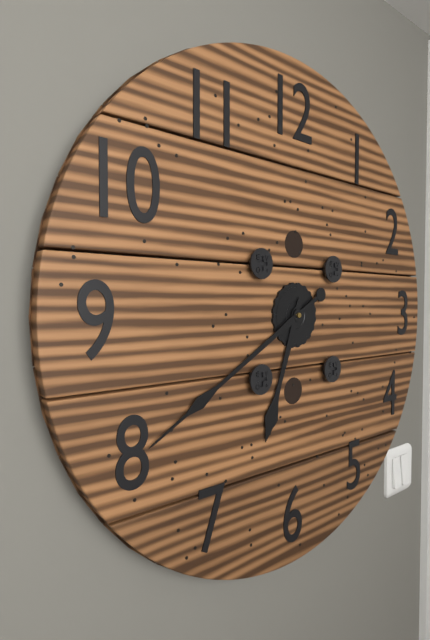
6:40
